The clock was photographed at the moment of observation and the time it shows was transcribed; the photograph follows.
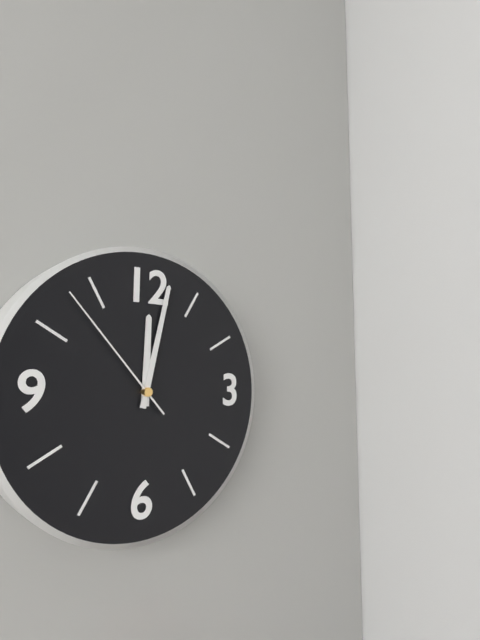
12:02:53
